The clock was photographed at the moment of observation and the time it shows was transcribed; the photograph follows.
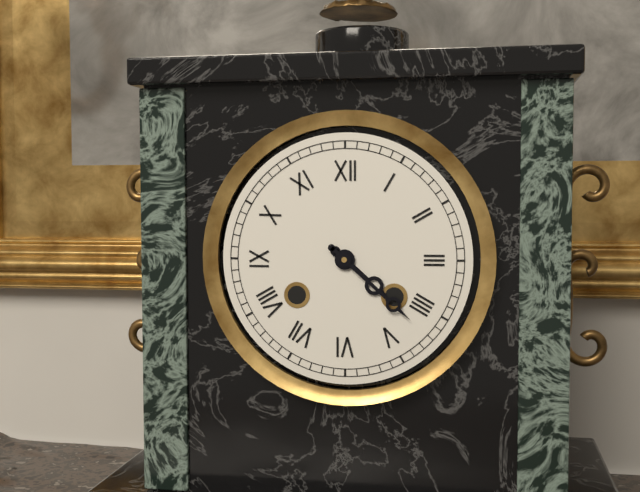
4:22
